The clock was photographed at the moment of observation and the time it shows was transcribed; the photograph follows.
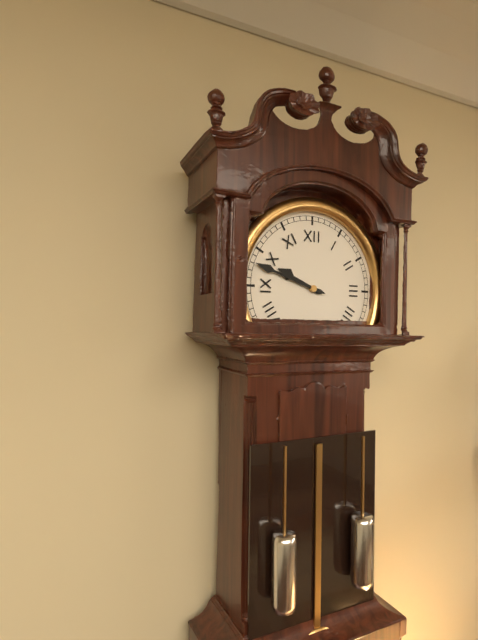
9:48
